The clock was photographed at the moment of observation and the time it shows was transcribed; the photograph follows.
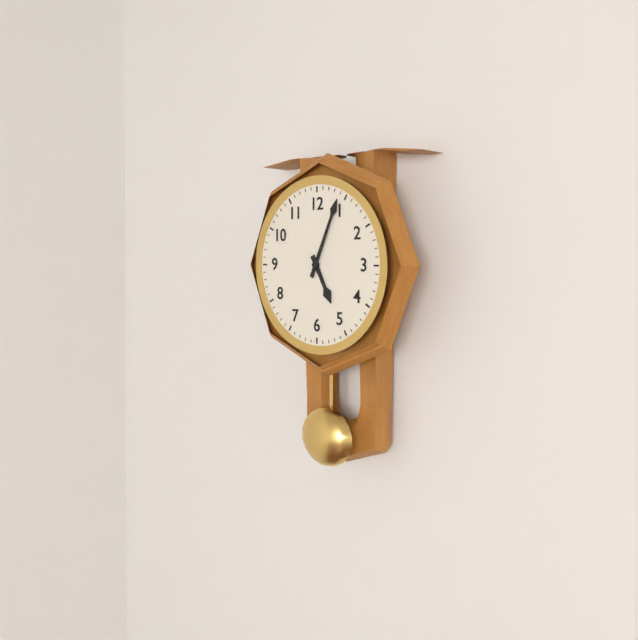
5:04
